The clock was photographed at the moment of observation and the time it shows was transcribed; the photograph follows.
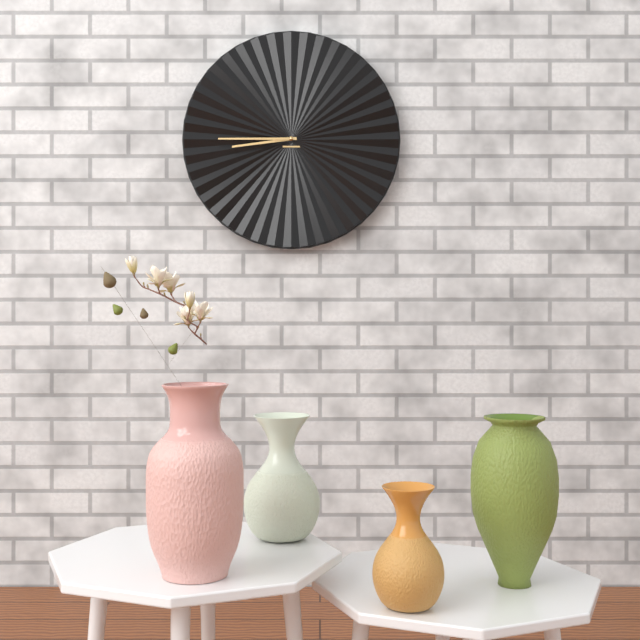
8:45
